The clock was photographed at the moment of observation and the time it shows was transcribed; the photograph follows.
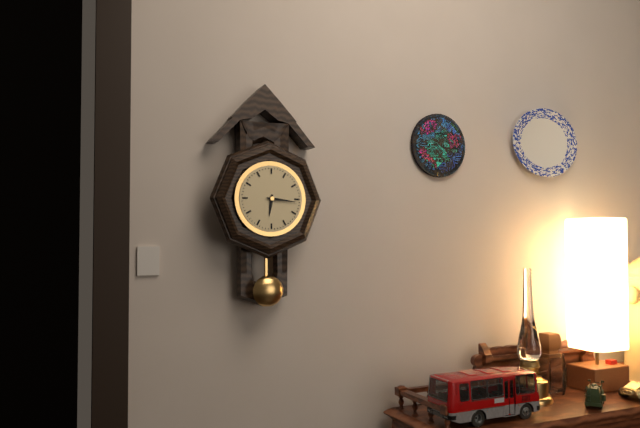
6:16
